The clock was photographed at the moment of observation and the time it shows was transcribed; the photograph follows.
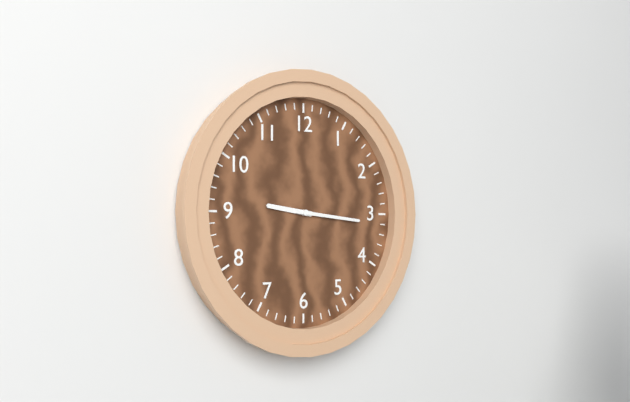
9:16
